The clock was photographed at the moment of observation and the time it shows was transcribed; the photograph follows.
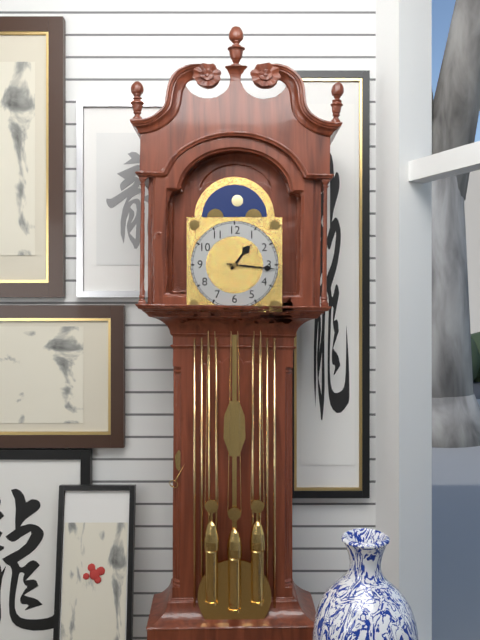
1:16
